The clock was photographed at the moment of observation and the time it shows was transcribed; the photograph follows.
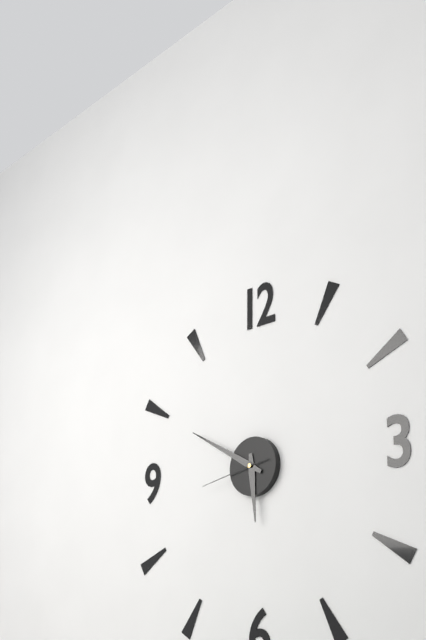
5:50:43
